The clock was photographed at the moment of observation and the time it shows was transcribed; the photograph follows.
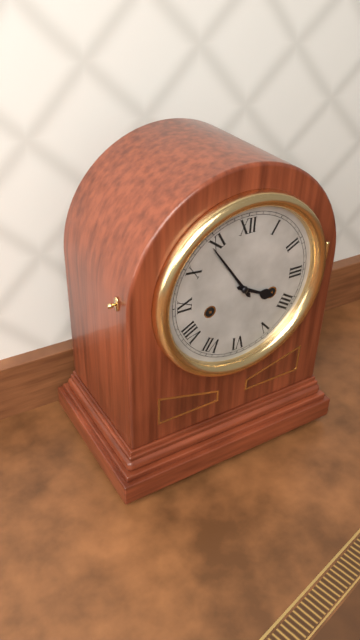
3:54
